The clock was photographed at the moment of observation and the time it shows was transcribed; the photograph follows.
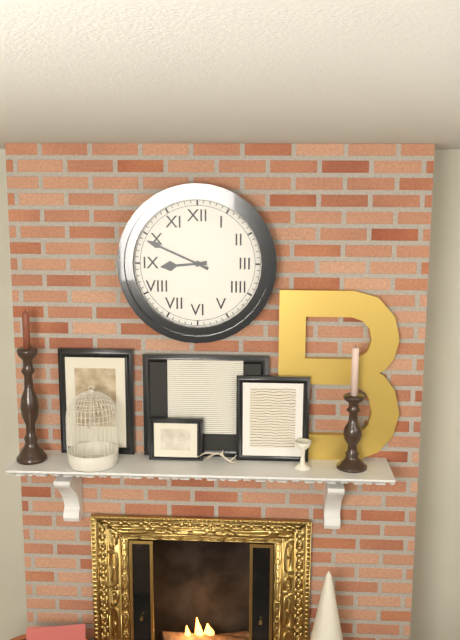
8:49
